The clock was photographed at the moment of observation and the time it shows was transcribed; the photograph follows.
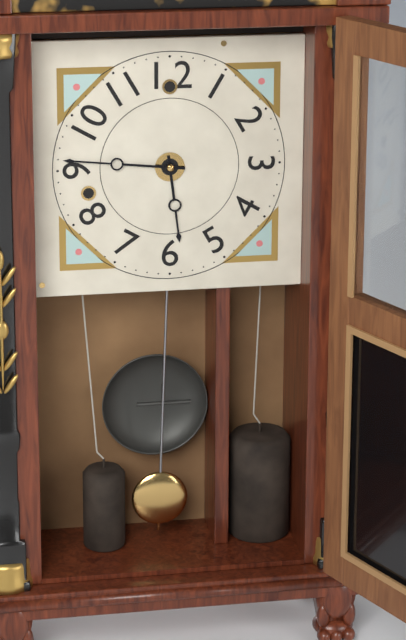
5:46
